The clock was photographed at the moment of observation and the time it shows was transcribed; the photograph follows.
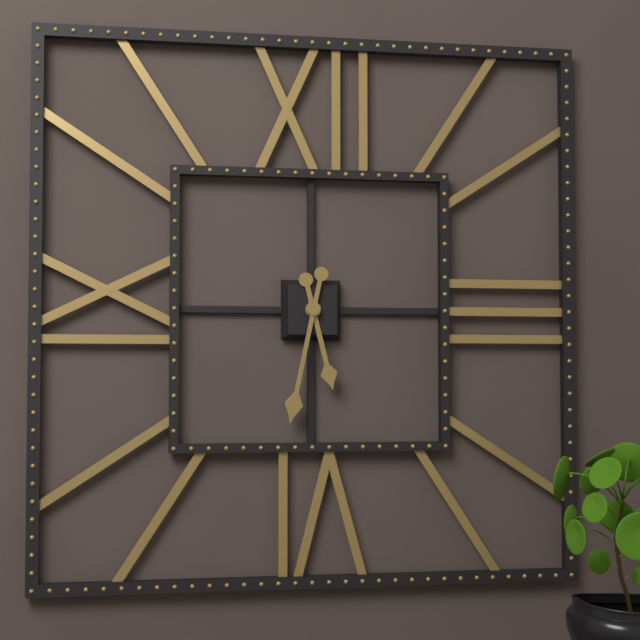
5:32
